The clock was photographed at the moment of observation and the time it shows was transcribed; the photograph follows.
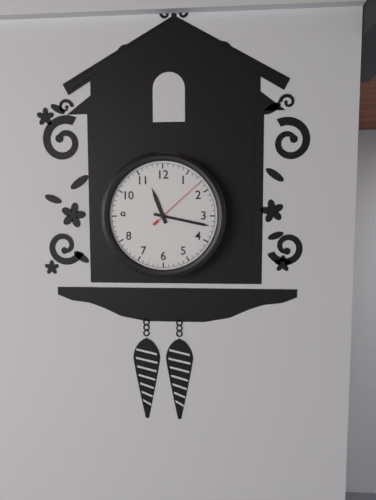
11:17:08
